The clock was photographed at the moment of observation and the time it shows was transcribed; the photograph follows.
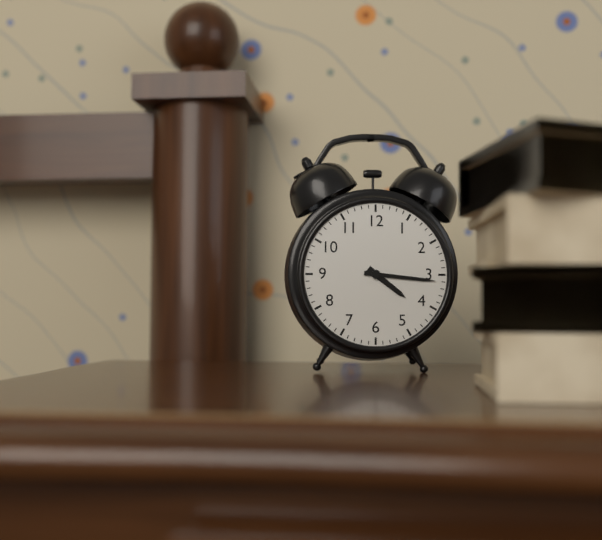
4:16
